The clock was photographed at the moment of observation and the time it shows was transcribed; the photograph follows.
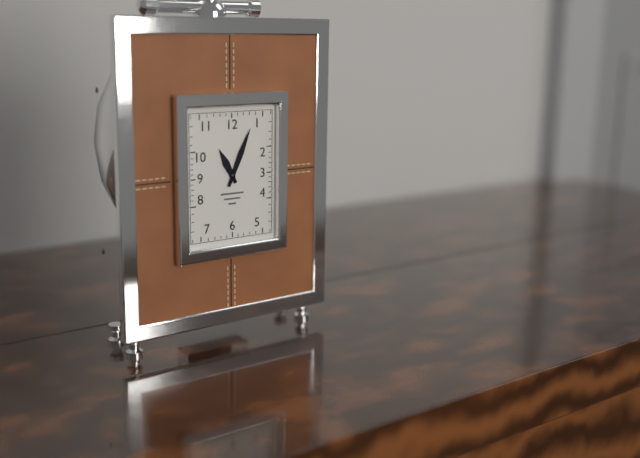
11:04
